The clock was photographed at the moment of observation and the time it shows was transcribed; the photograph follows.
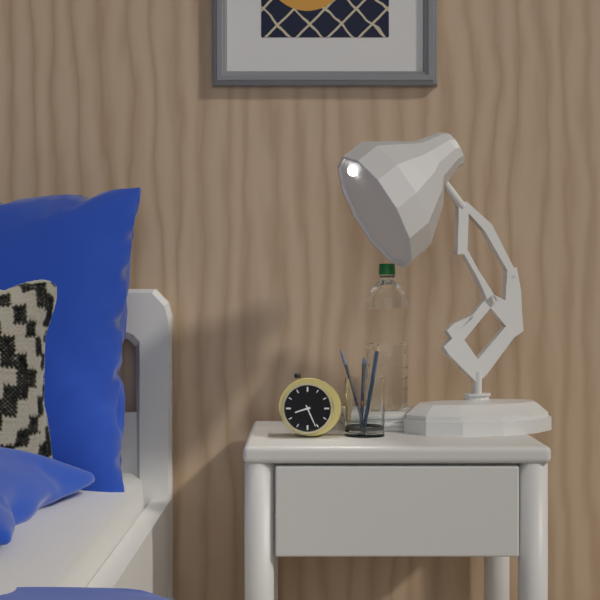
8:26
